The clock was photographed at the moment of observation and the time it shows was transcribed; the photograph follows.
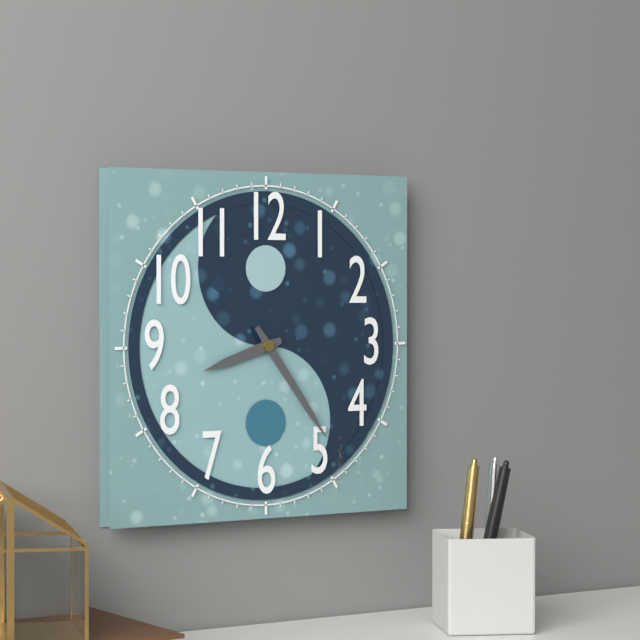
8:24
